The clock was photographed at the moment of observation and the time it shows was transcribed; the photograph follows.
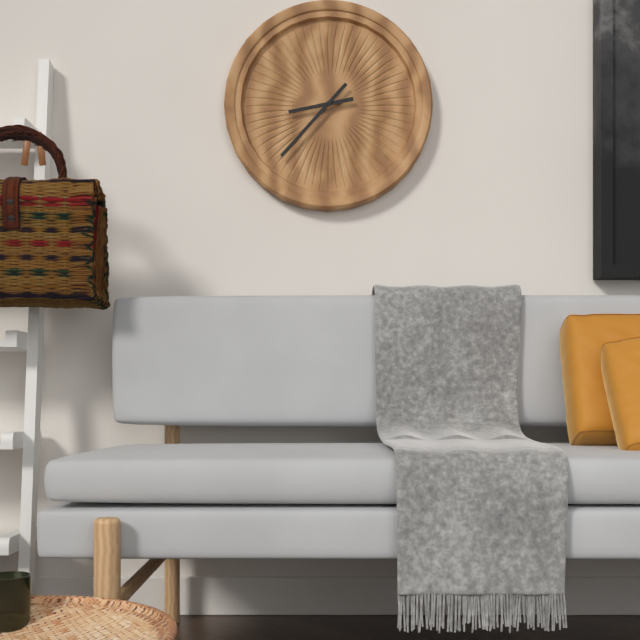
8:37
